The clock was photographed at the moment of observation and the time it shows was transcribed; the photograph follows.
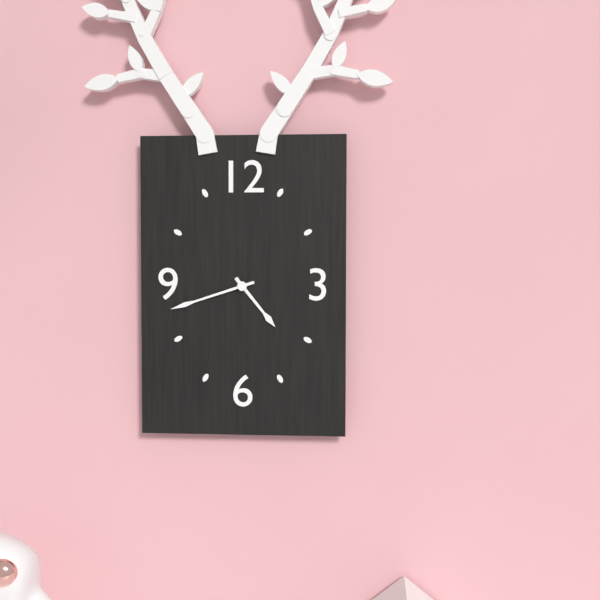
4:42
